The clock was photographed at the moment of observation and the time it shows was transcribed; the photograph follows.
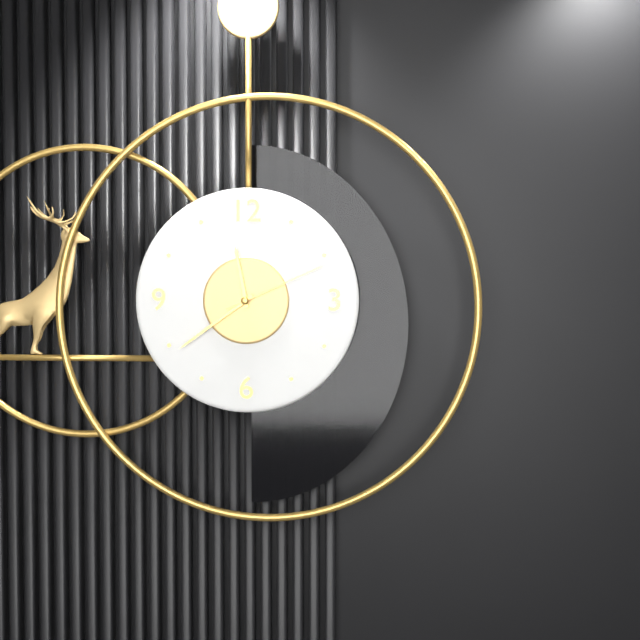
11:39:11
